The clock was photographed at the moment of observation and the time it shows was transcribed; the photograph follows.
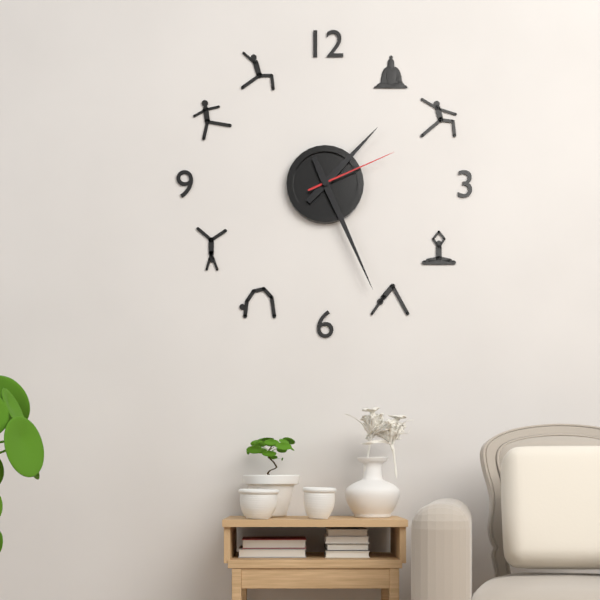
1:26:11
